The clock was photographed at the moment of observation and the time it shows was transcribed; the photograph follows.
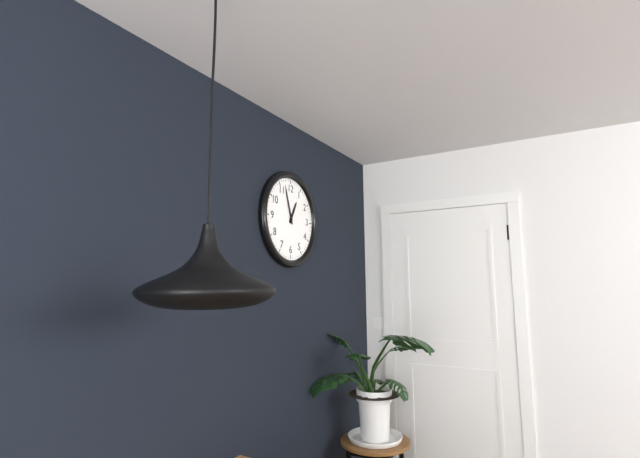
12:57
